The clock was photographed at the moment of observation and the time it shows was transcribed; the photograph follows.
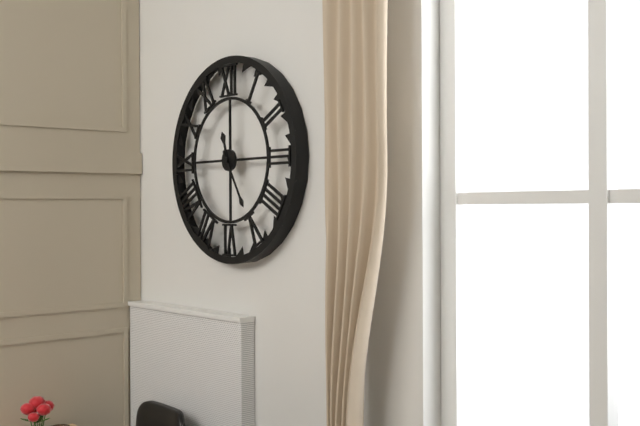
11:25
